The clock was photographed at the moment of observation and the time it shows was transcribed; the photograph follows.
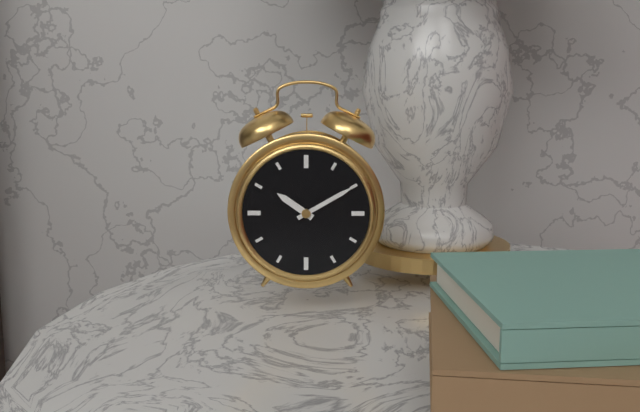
10:10
